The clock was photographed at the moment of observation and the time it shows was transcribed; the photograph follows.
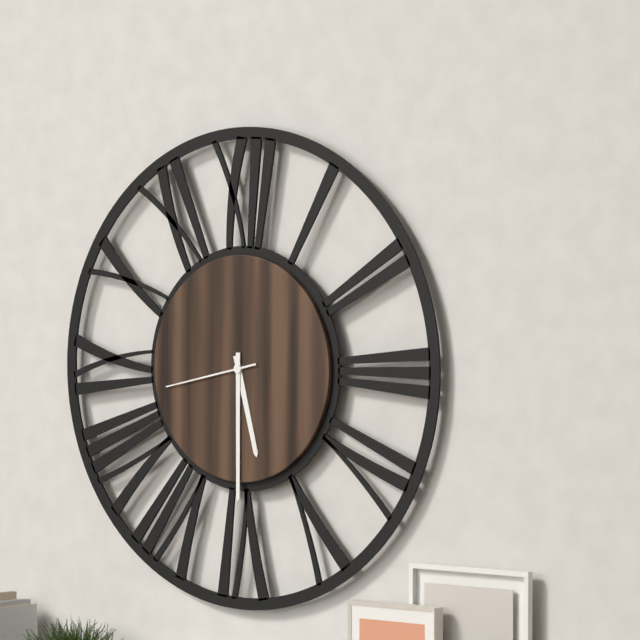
5:30:43
